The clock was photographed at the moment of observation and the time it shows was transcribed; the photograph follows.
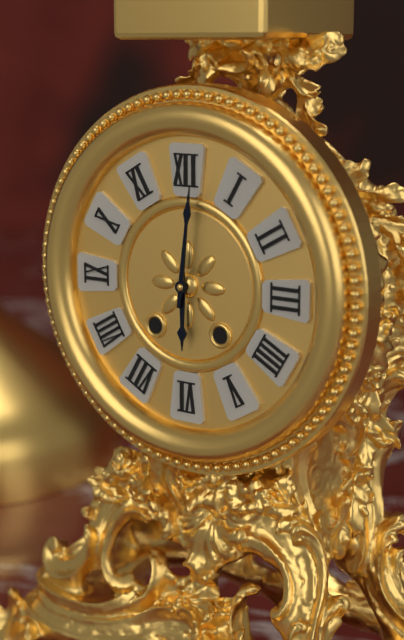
6:01
